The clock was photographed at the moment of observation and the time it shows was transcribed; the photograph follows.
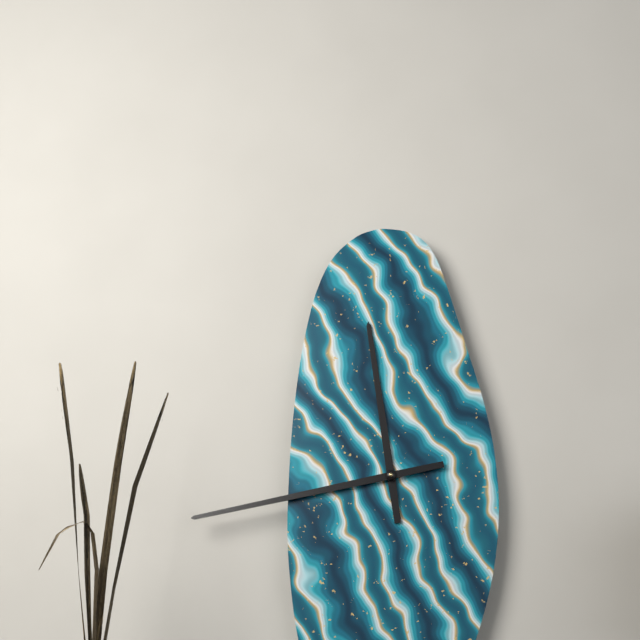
11:43
